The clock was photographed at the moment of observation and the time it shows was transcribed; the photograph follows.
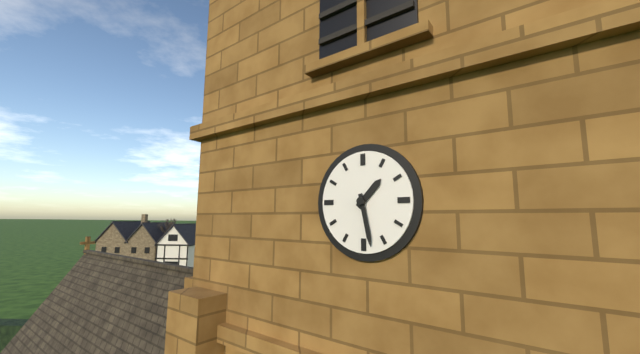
1:28
